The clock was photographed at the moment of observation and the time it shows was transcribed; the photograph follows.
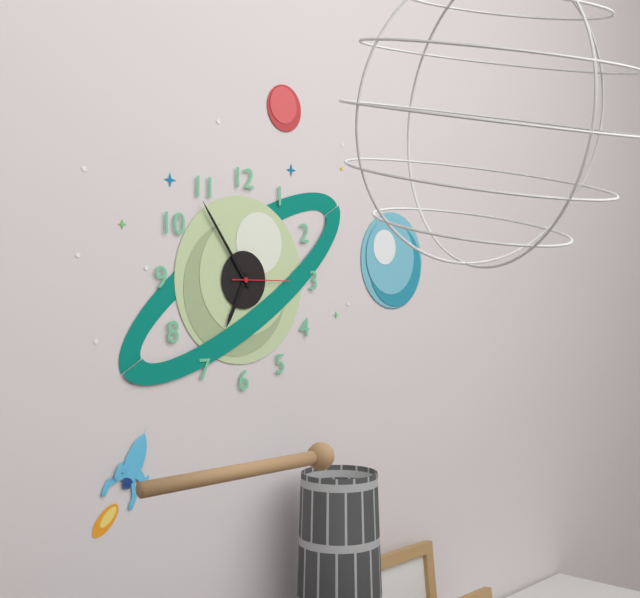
6:54:15
